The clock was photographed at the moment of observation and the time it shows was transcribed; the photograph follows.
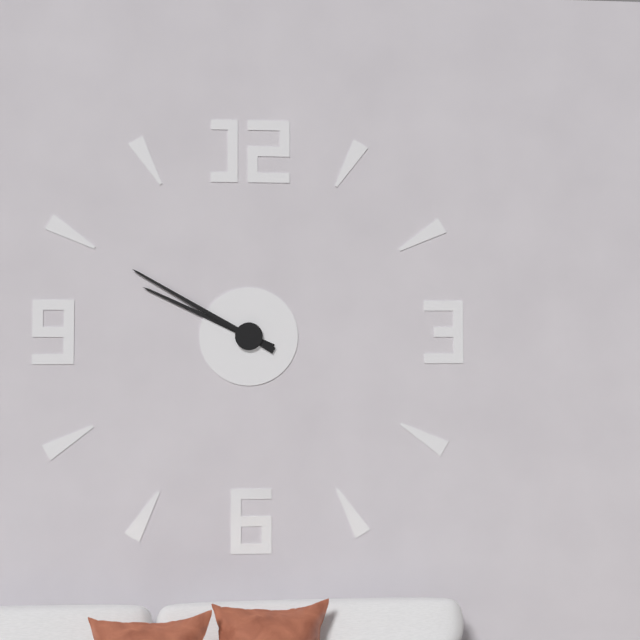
9:50
